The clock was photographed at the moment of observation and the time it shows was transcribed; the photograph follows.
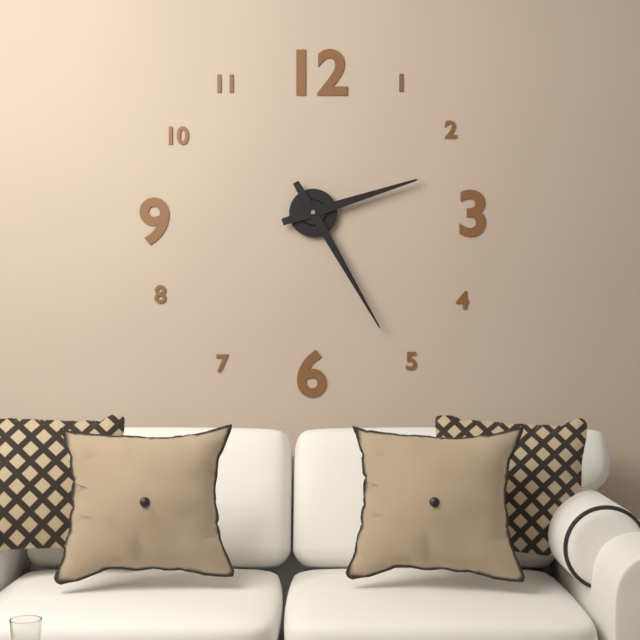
2:25
